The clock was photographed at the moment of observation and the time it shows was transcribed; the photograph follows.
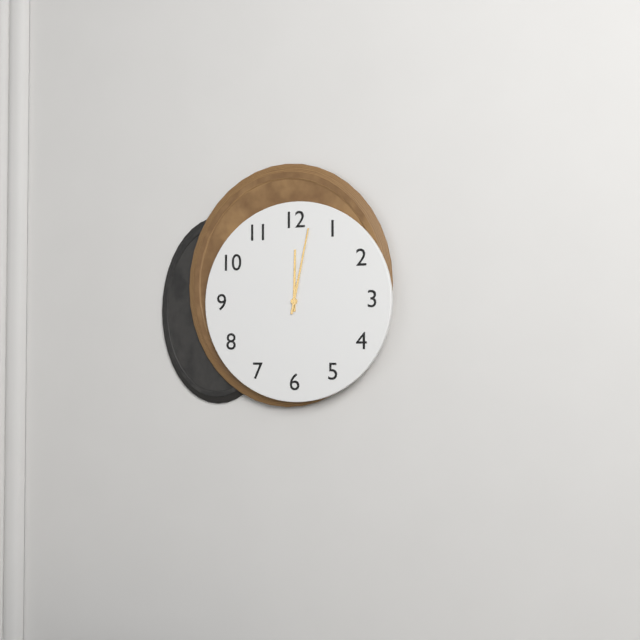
12:02
